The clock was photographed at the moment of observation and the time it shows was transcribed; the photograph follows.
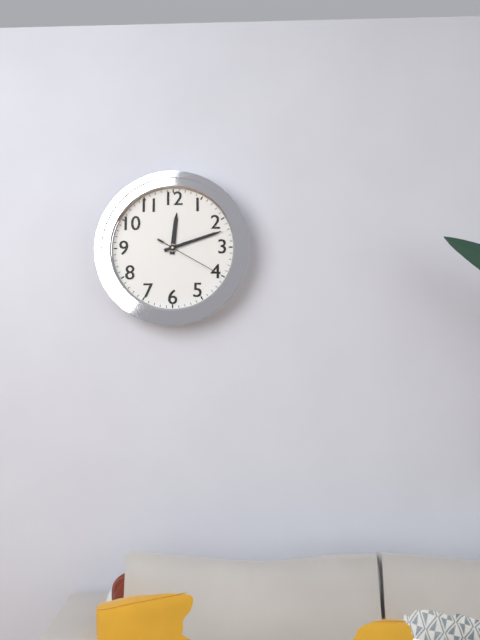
12:12:20
